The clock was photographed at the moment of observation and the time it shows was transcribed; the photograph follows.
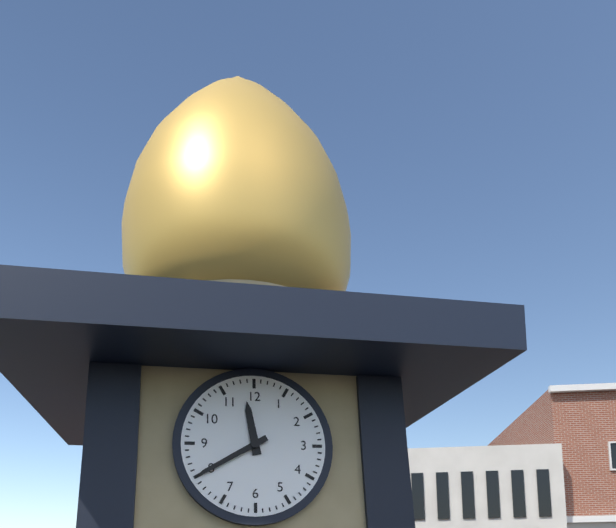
11:40
